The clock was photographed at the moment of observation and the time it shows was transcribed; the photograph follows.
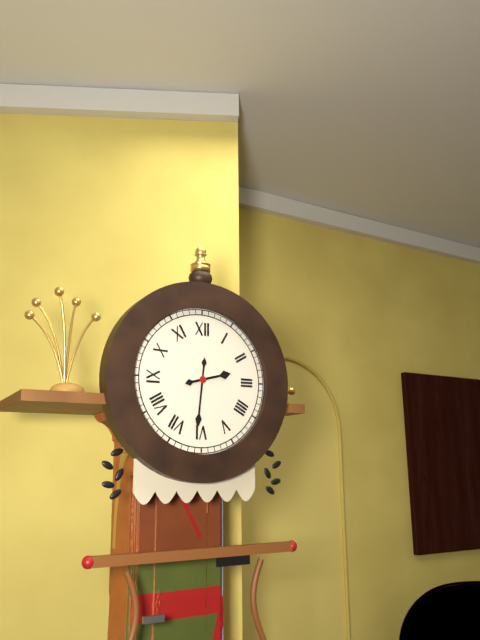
2:31
